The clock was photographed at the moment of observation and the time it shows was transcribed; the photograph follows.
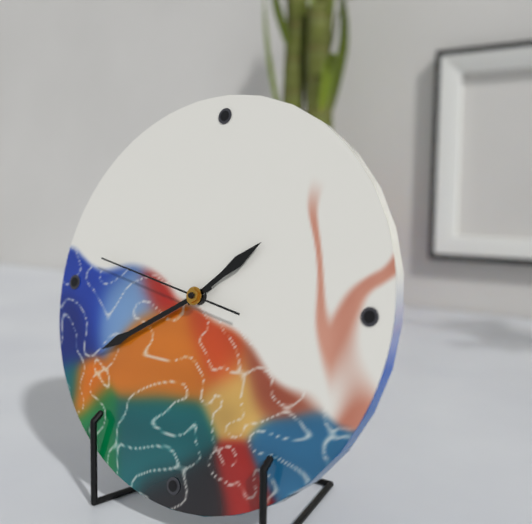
1:40:47
